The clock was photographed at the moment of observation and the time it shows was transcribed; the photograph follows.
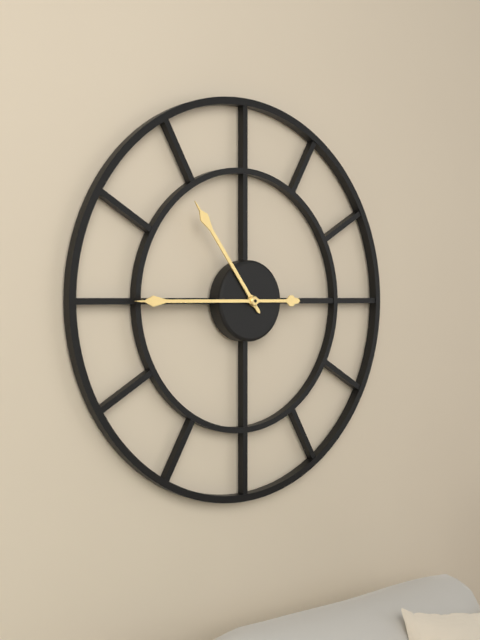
10:45
